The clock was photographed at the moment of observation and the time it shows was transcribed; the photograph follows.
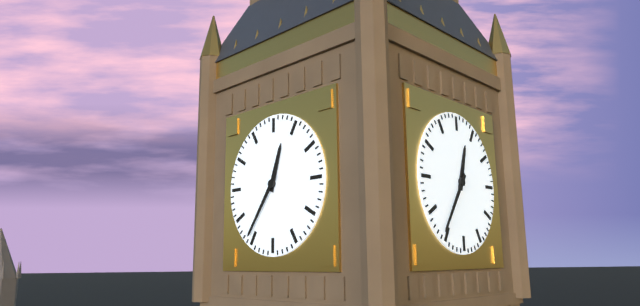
12:36
